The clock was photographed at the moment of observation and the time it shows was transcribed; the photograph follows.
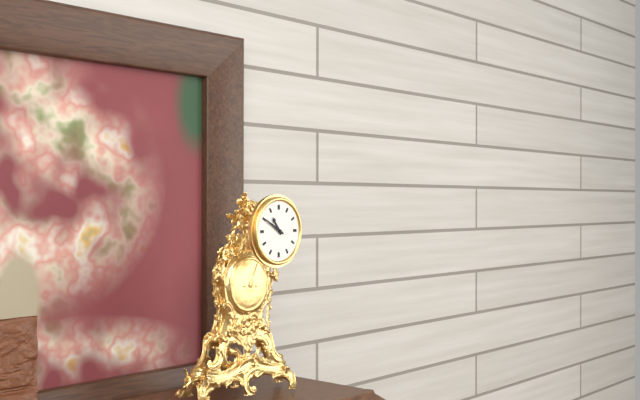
10:50
